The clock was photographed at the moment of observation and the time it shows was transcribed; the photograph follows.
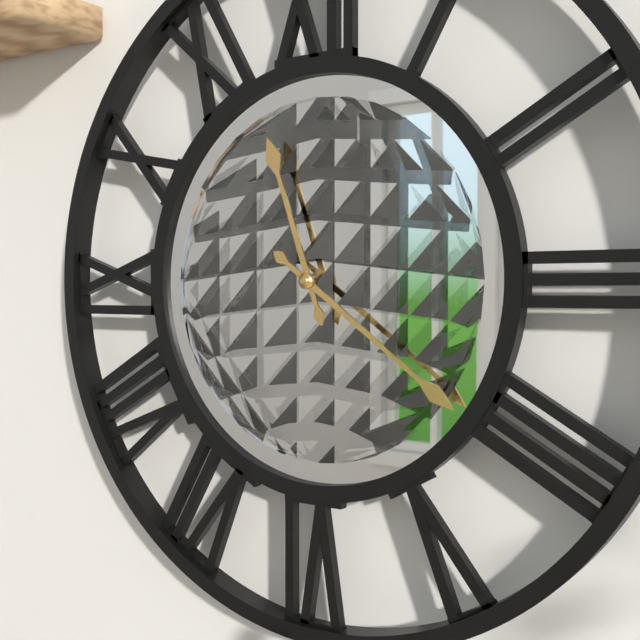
11:21
